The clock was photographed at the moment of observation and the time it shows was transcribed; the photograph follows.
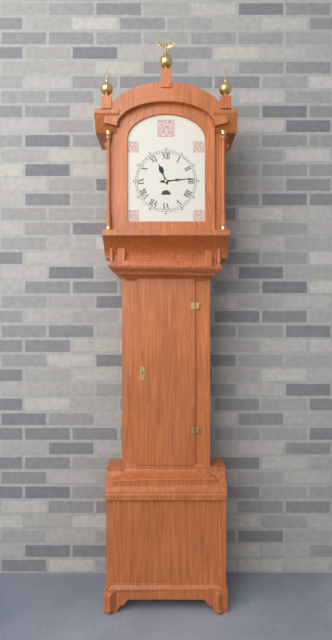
11:14
